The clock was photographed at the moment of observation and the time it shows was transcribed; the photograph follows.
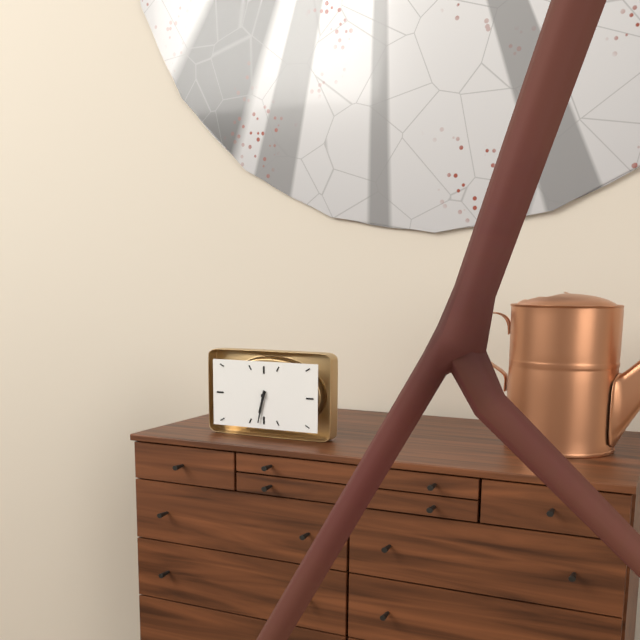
6:32
